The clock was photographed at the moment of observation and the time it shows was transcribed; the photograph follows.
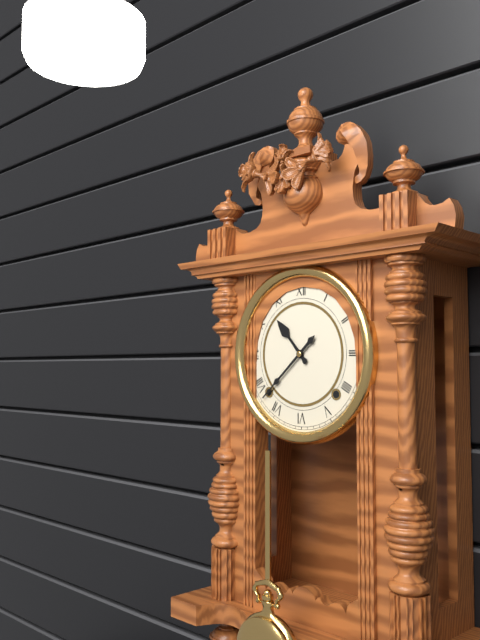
10:38
